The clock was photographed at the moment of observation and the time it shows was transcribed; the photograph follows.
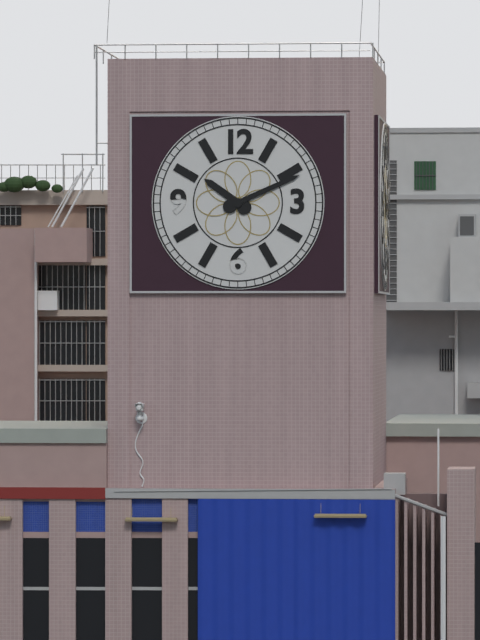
10:11
